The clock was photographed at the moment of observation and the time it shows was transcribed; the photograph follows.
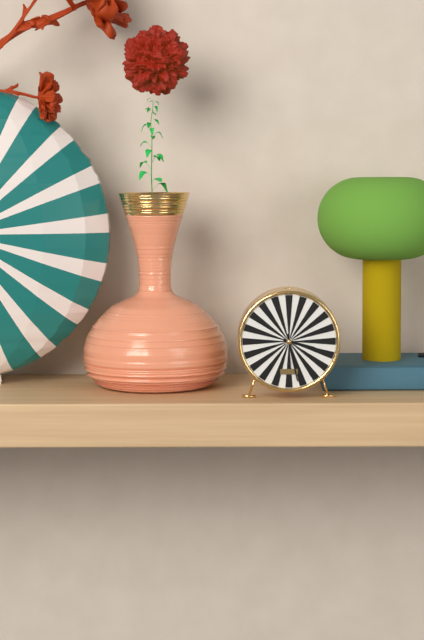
3:28
